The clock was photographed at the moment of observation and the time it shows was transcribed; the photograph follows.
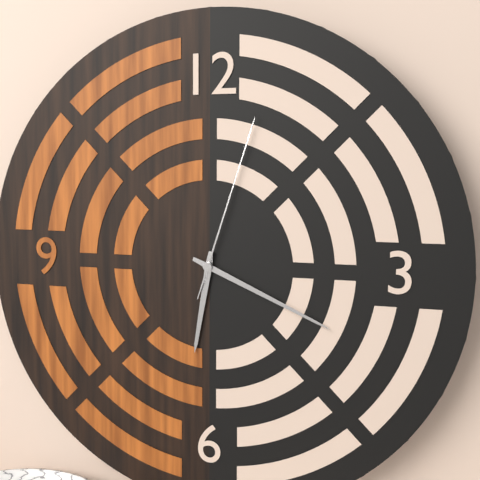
6:19:03
